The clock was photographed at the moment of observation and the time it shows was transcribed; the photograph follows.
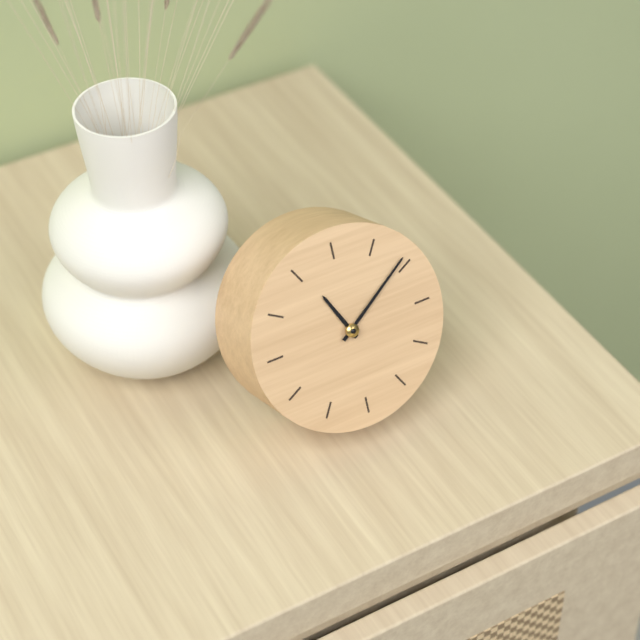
11:09
